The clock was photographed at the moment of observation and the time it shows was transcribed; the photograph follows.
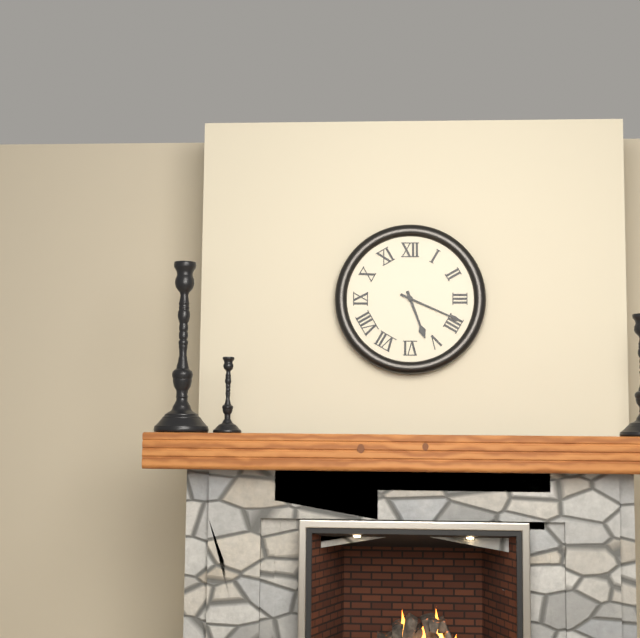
5:19
